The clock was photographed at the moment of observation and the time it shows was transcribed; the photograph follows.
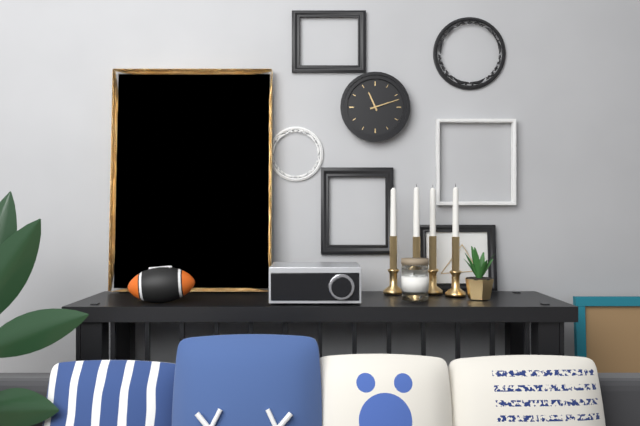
11:12
